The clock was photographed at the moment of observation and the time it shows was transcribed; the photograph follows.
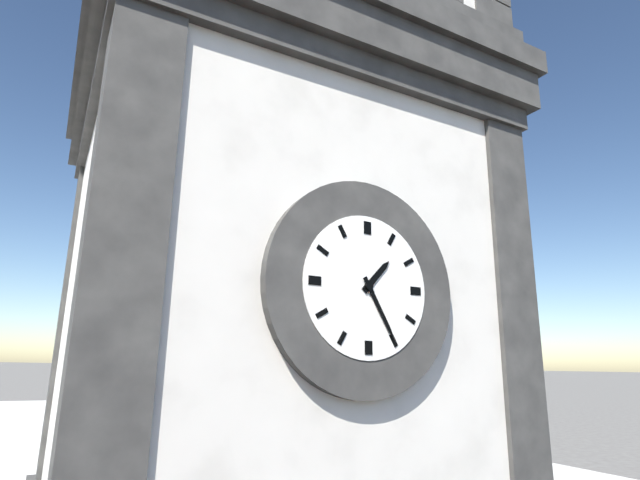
1:25
